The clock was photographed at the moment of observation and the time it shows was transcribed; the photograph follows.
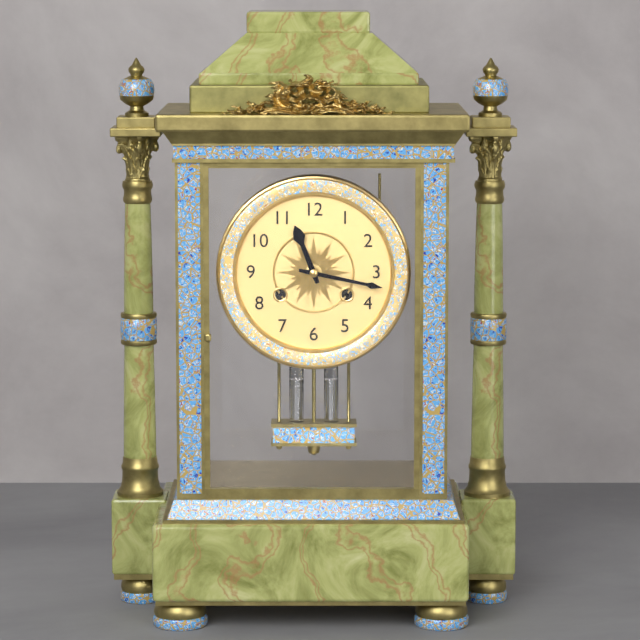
11:17
